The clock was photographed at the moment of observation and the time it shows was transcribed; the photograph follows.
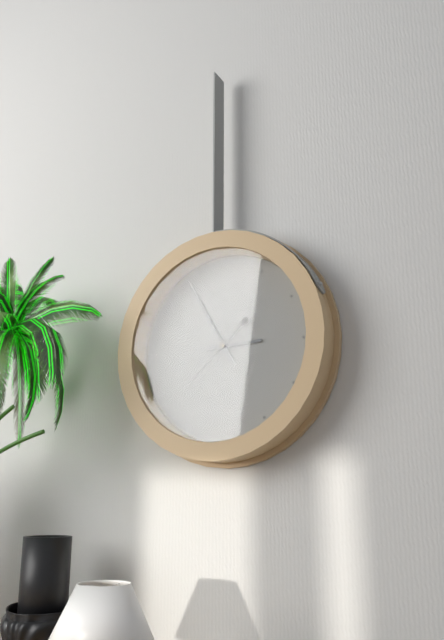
2:55:38
